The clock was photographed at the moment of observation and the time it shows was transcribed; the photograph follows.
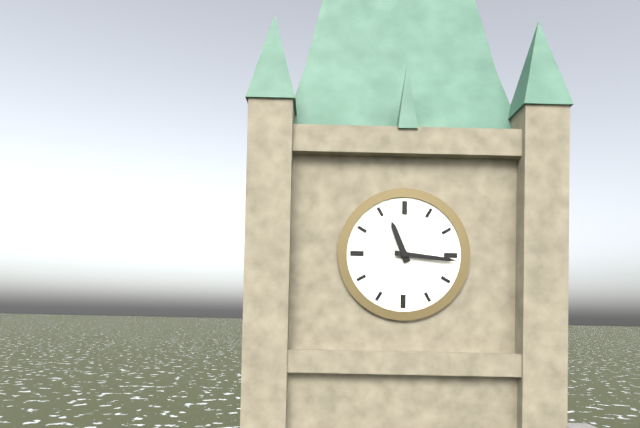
11:16
